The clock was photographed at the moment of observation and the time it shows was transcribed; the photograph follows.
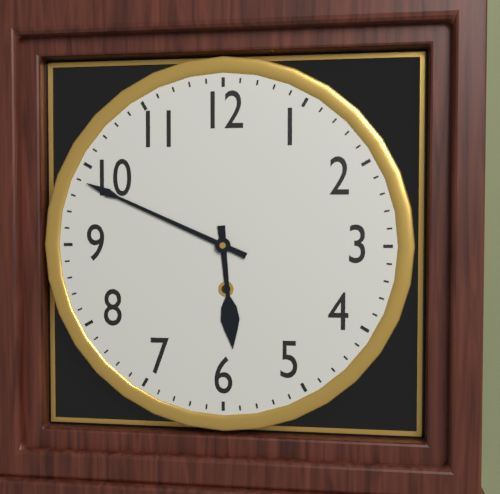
5:49
